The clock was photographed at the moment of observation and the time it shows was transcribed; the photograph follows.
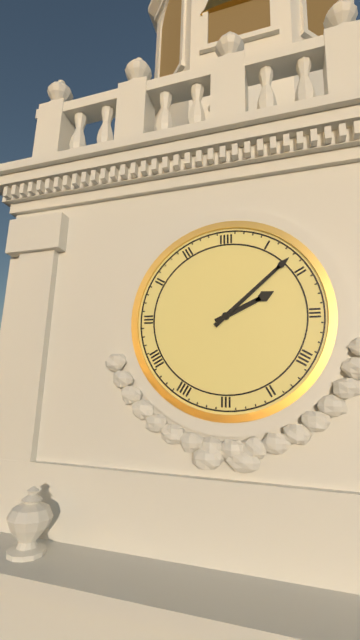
2:08
